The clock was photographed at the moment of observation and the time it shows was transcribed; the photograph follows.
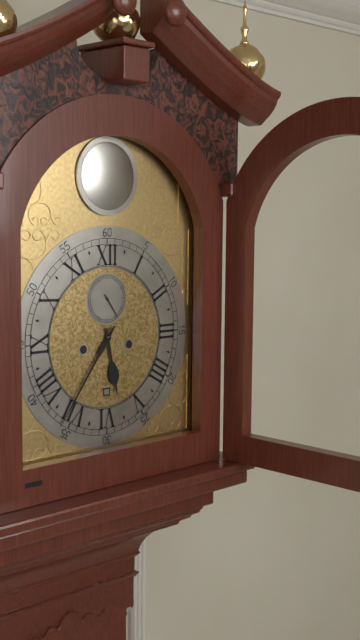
5:36
